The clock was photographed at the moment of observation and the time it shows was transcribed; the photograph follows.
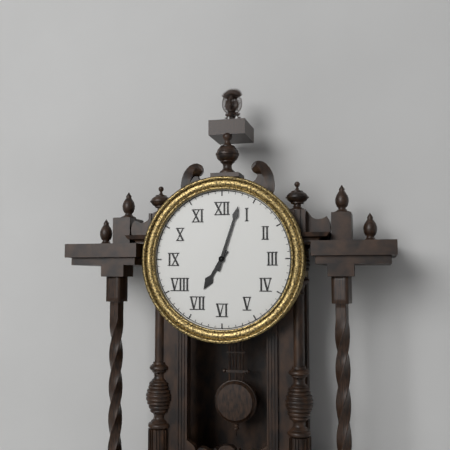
7:03
